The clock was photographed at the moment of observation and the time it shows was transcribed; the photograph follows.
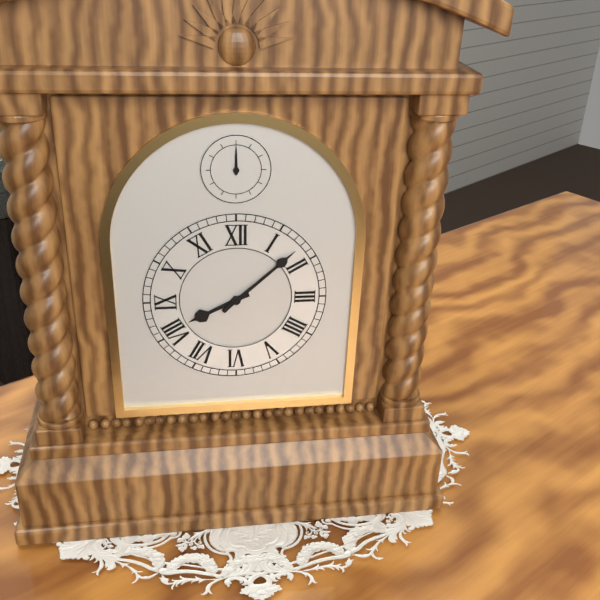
8:08
